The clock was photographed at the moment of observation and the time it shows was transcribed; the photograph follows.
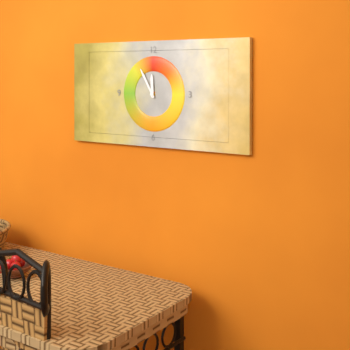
11:55
